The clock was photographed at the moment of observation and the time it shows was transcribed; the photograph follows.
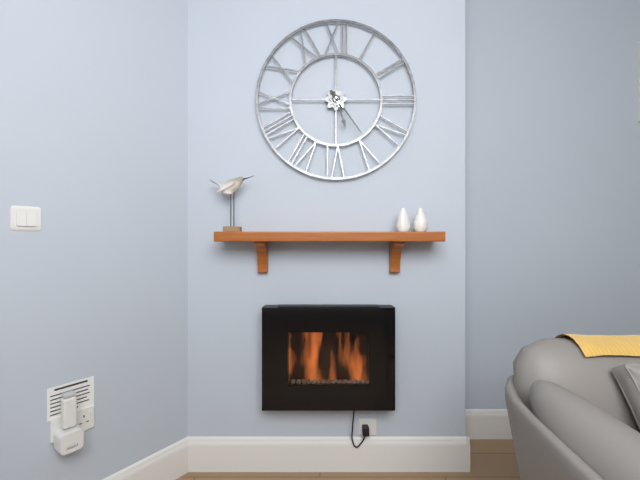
5:24
